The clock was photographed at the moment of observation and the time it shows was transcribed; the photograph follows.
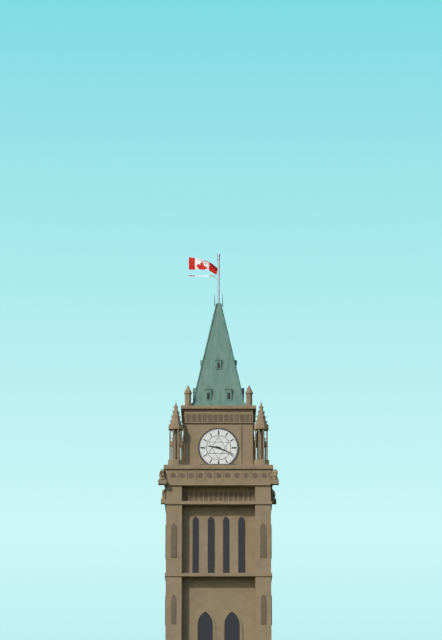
9:19
